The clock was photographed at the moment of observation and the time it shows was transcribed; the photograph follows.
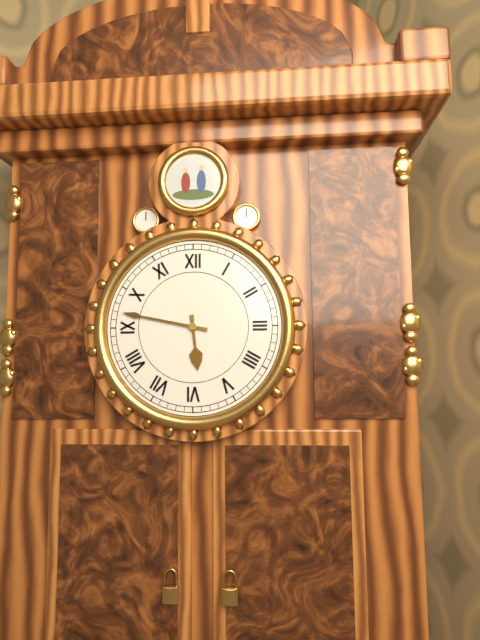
5:47
